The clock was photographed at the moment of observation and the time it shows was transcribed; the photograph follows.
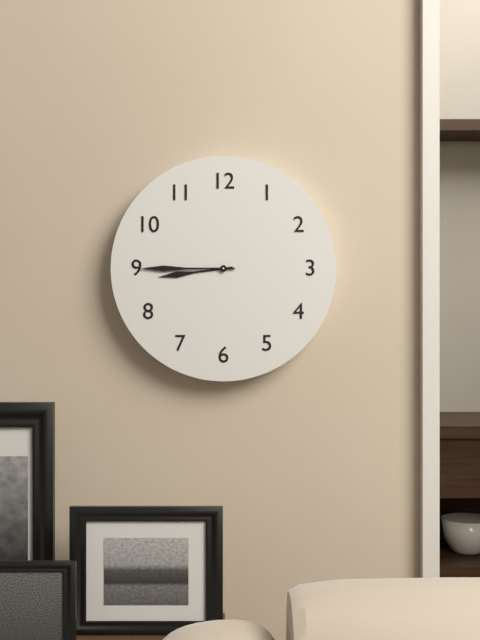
8:45
